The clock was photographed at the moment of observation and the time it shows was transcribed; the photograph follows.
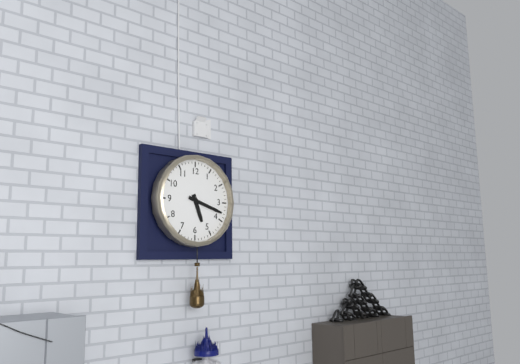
5:18
